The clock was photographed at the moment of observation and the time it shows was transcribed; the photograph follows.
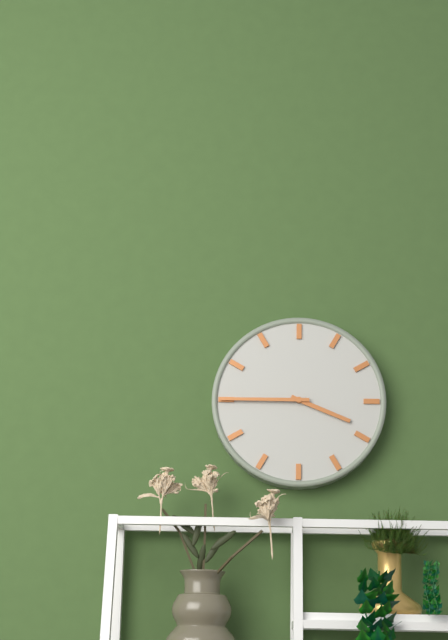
3:45
